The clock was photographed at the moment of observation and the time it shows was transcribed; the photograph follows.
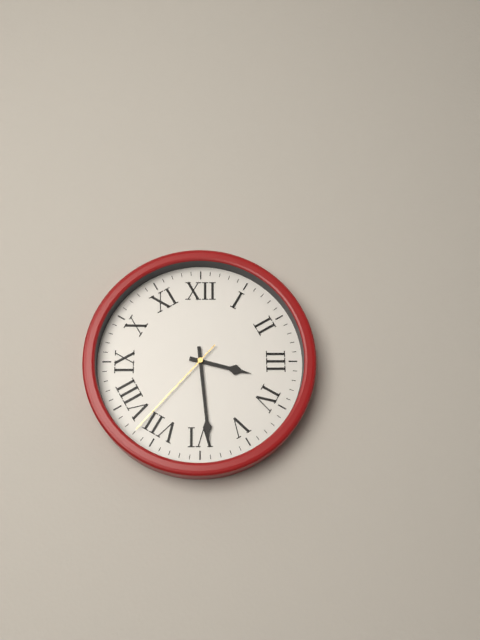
3:29:37
